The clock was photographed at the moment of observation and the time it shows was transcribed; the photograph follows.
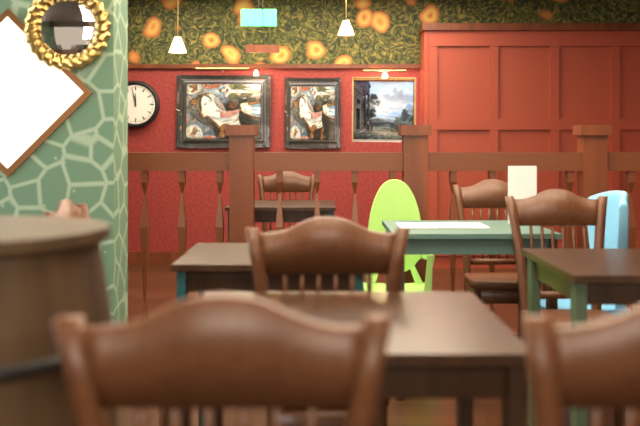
11:58
